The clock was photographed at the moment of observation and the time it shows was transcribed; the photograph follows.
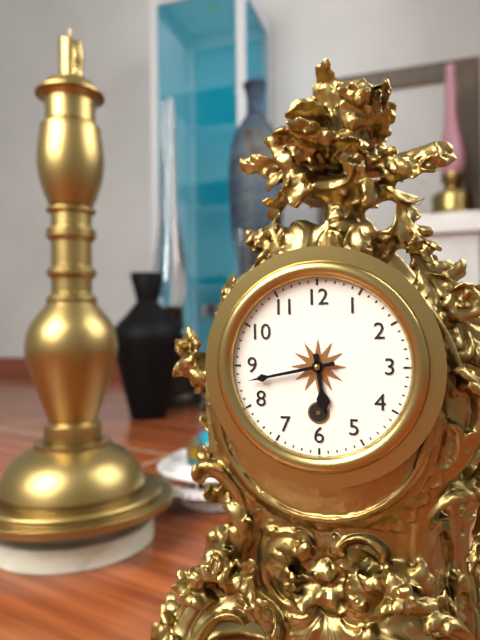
5:43
